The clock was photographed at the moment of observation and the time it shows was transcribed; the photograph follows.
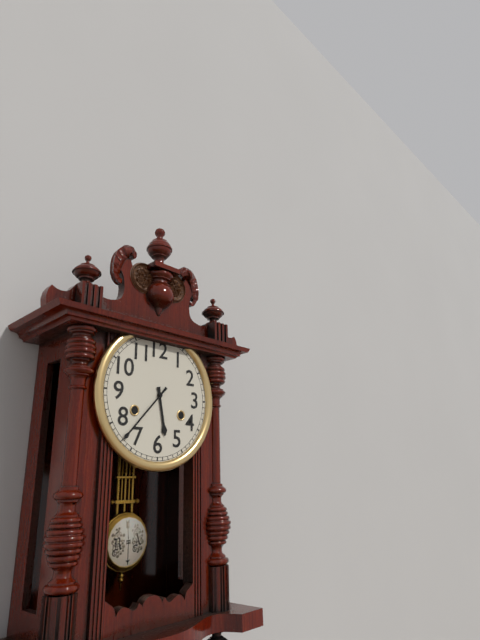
5:37
